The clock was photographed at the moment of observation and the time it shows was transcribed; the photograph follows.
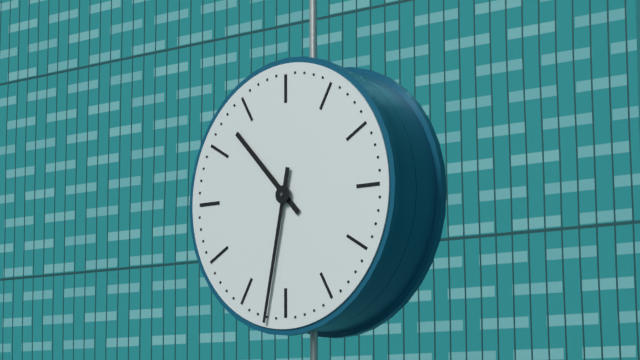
10:32
